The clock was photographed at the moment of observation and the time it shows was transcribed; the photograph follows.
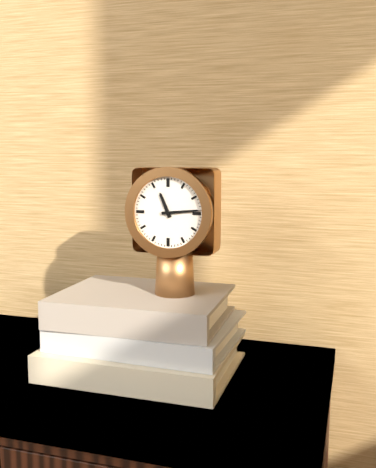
11:14
